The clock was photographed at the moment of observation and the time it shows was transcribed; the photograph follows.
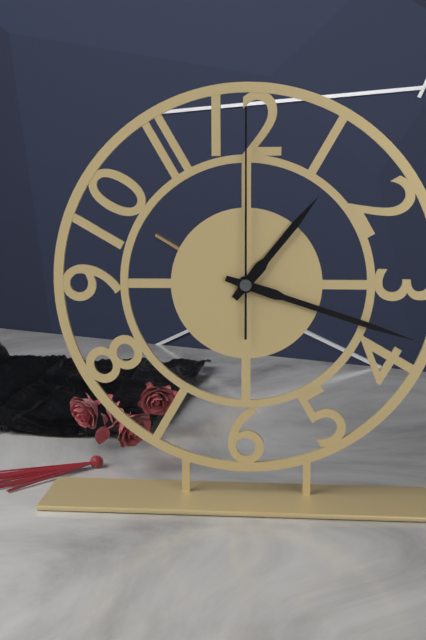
1:18:00
